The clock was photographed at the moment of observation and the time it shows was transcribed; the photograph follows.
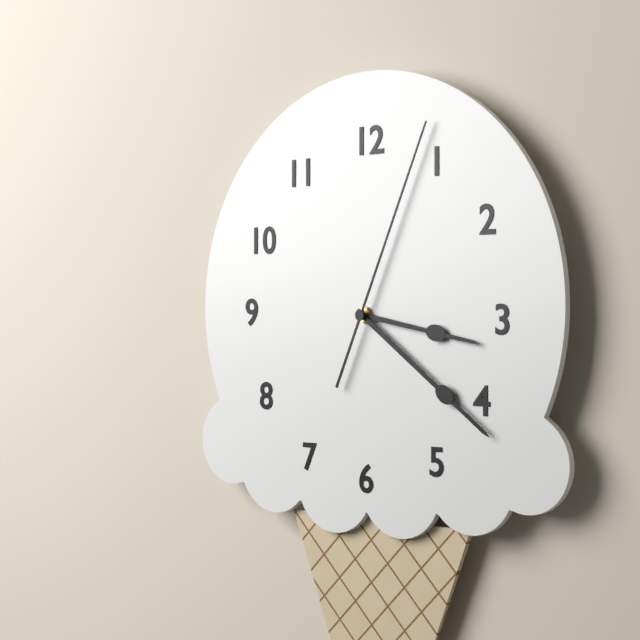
3:21:04
